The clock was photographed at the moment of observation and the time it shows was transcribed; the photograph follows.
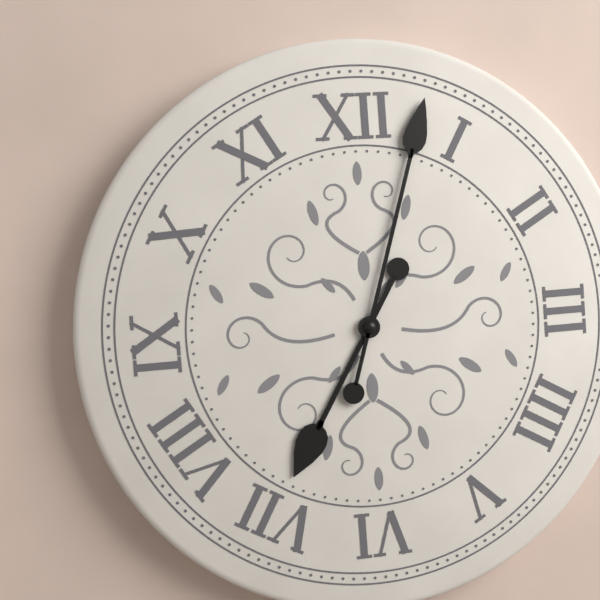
7:03
